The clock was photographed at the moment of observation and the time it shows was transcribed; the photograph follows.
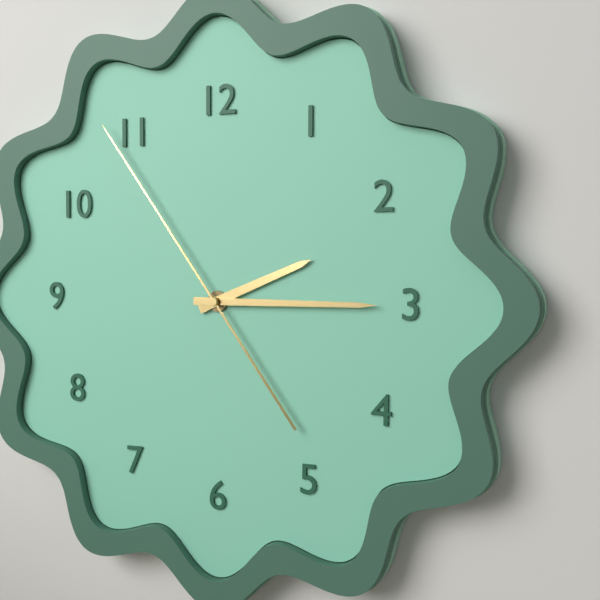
2:15:54
